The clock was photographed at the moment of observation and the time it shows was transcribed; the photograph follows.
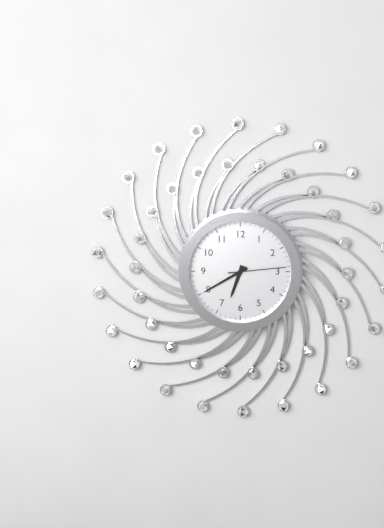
6:40:14
